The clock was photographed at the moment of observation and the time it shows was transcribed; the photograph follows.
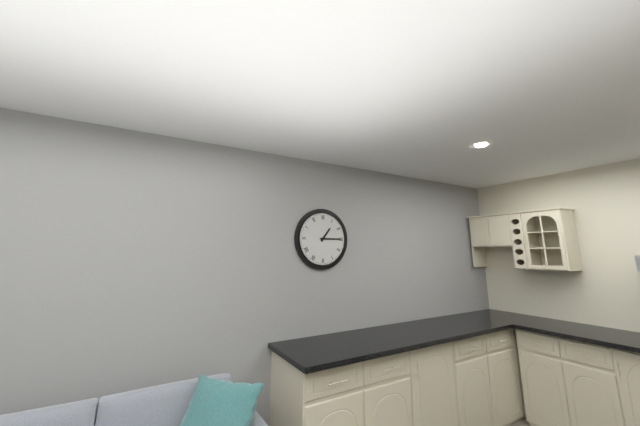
1:15
